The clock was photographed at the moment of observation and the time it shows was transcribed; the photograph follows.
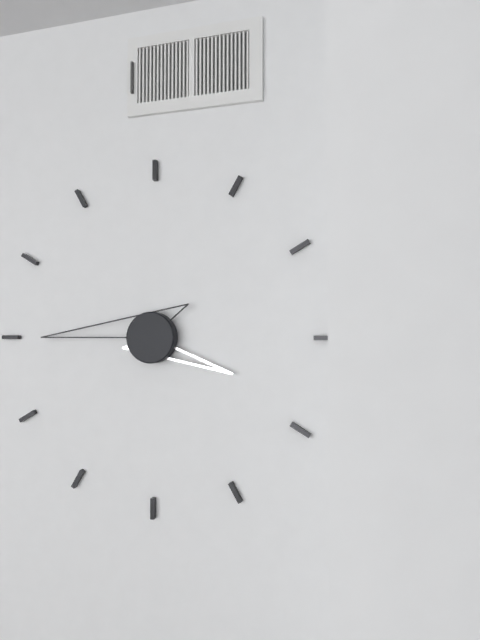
3:45
